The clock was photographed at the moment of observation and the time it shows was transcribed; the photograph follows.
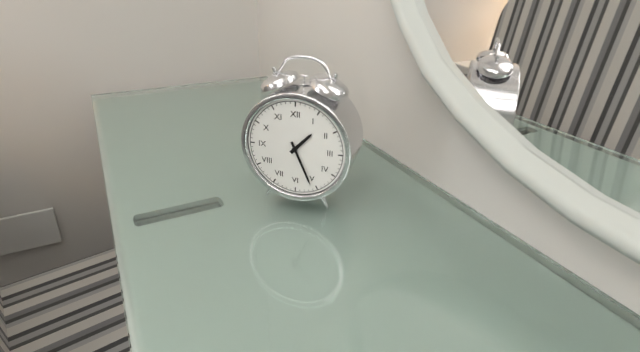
1:26
